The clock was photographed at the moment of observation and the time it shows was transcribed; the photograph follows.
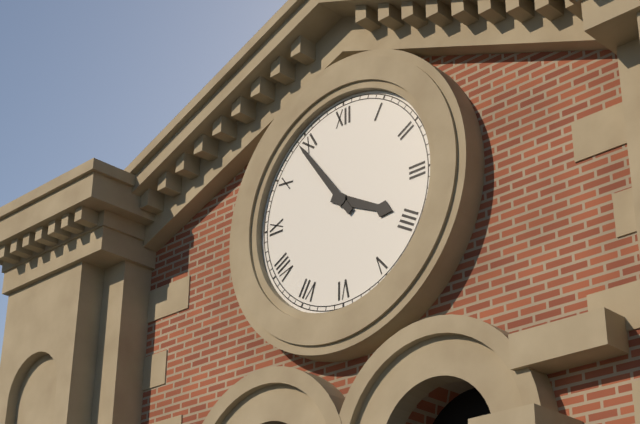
3:54
